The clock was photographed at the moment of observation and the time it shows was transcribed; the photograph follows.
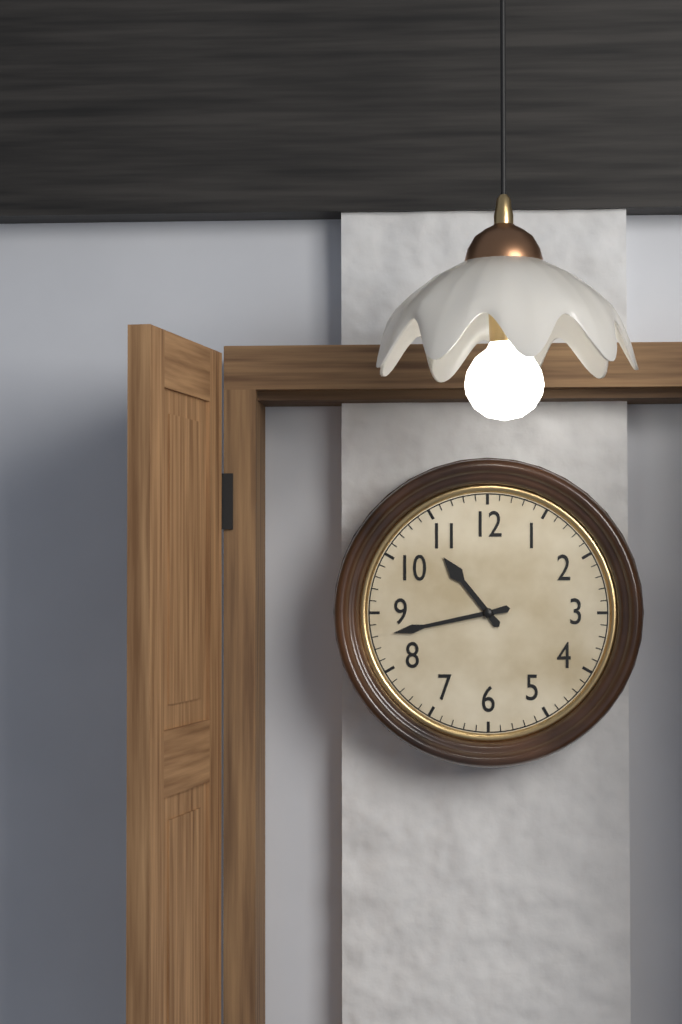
10:43
